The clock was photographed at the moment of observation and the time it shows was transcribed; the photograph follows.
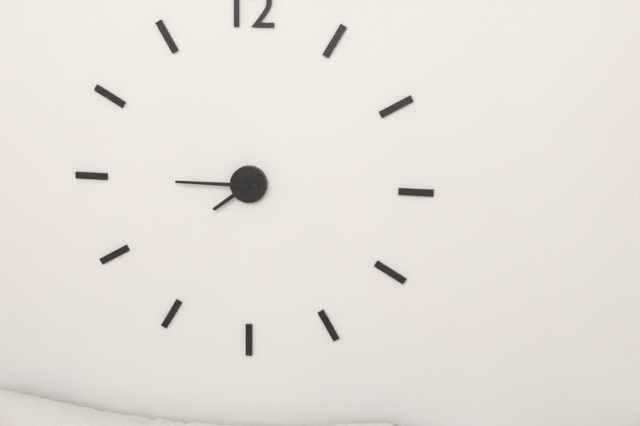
7:45
